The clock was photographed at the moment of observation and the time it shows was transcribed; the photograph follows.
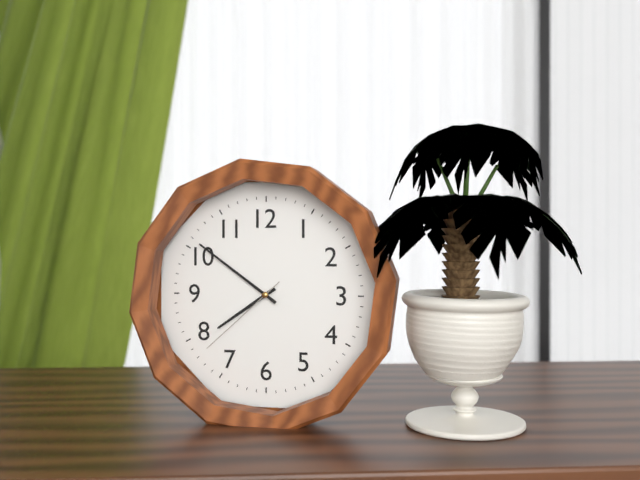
7:51:38
